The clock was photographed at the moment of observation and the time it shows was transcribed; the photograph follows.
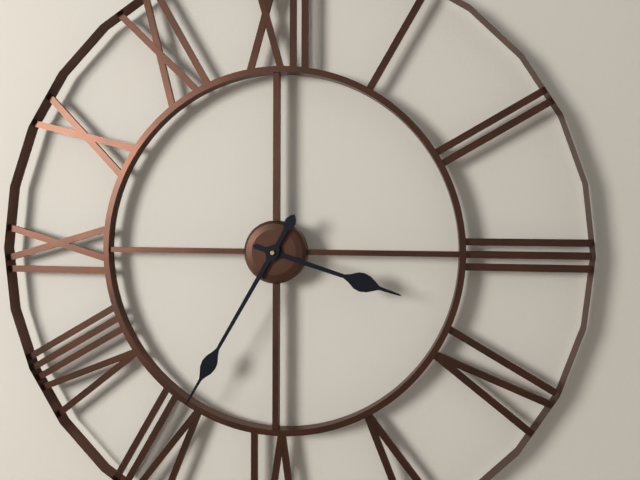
3:35
